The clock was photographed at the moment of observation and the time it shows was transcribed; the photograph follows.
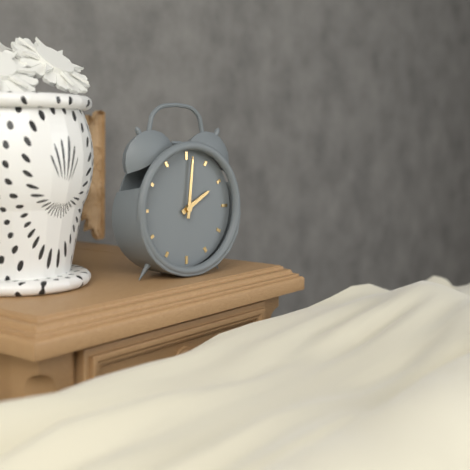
2:01
